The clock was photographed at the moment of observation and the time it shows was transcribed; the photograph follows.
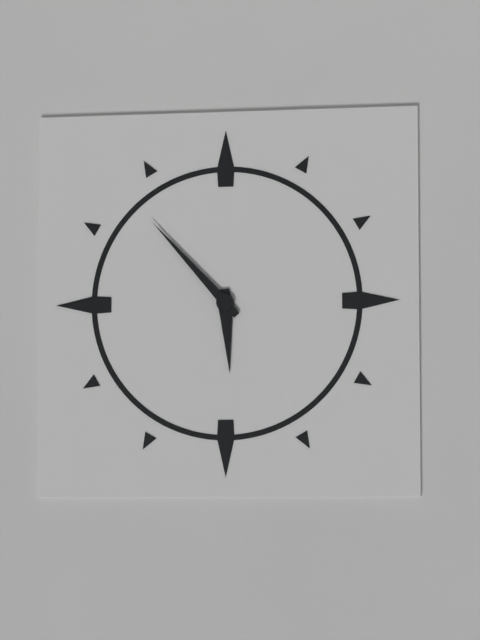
5:53
